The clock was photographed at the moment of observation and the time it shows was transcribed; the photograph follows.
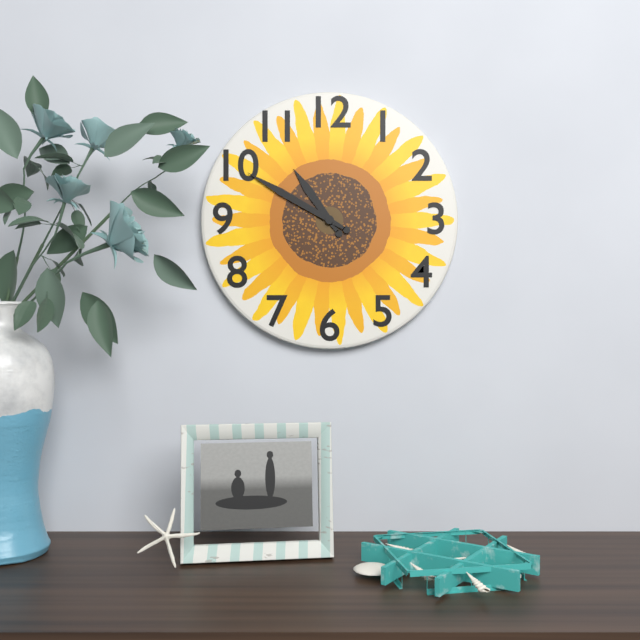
10:50
